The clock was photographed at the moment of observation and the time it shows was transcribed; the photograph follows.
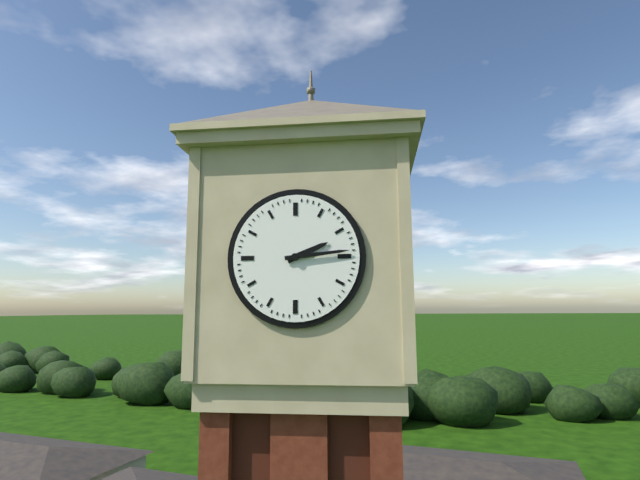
2:14
